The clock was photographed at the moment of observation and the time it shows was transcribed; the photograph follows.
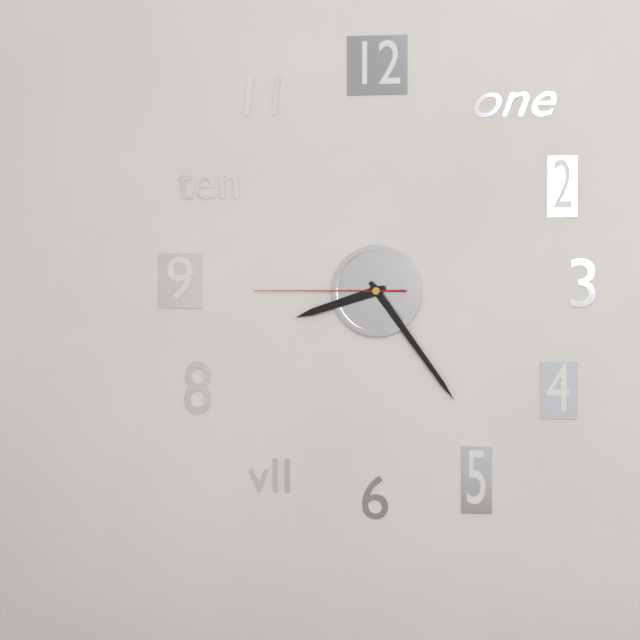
8:24:45
